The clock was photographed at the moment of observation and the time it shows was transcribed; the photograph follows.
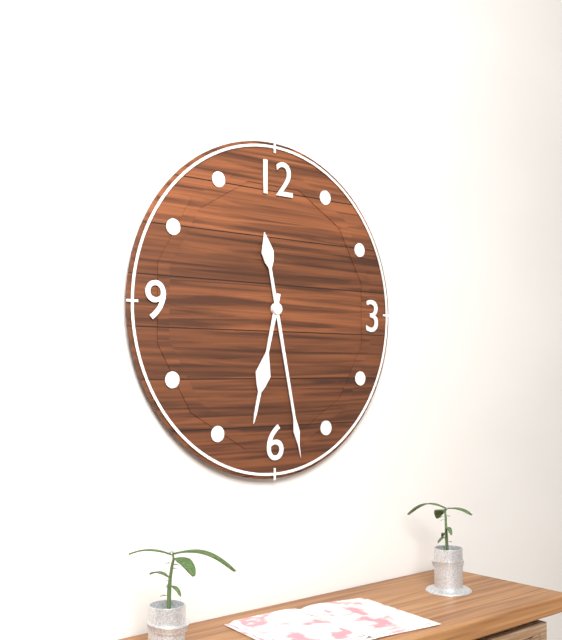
6:28
